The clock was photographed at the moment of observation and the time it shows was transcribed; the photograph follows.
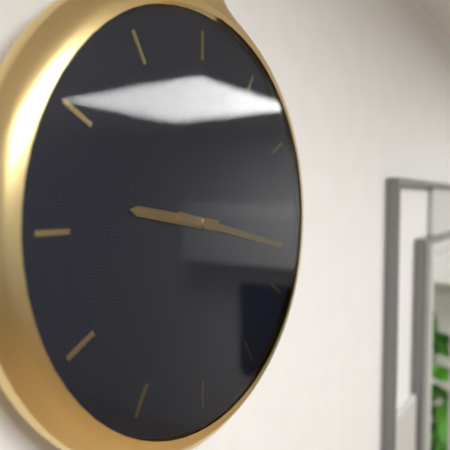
9:17
